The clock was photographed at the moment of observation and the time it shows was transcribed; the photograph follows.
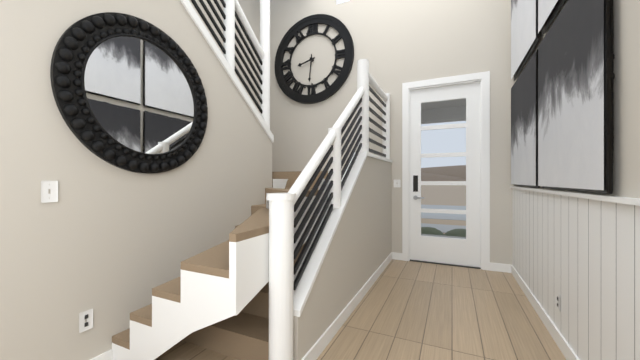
8:31
